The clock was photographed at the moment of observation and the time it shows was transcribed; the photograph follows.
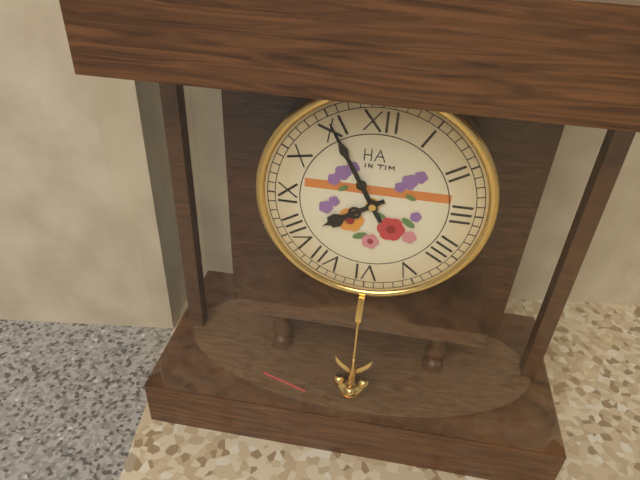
7:55
